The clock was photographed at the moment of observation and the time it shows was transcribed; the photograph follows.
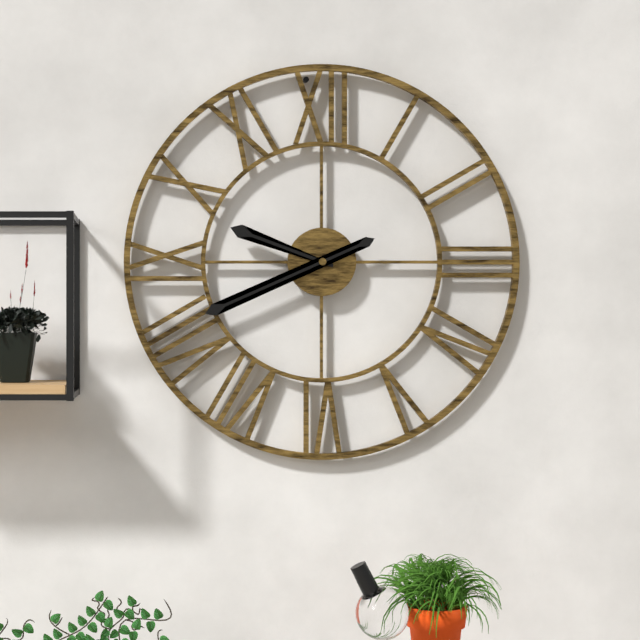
9:41
